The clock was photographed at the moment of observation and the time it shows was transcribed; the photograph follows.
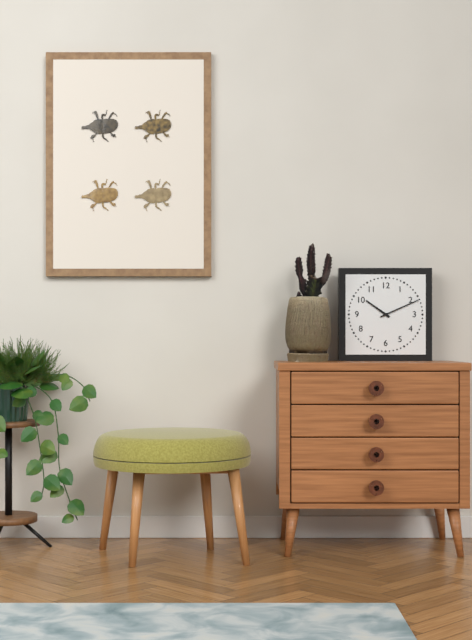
10:11
